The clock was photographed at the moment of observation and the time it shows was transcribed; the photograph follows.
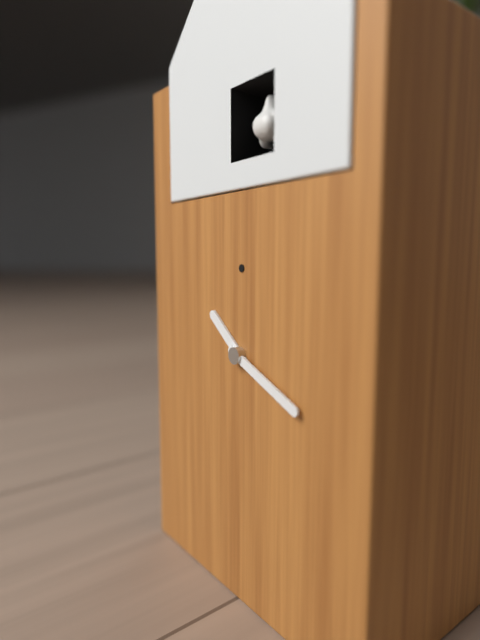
10:19
